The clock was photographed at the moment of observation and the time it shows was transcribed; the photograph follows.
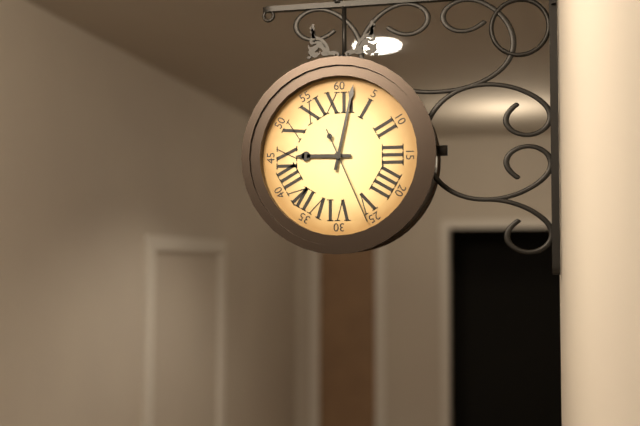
9:02:26
